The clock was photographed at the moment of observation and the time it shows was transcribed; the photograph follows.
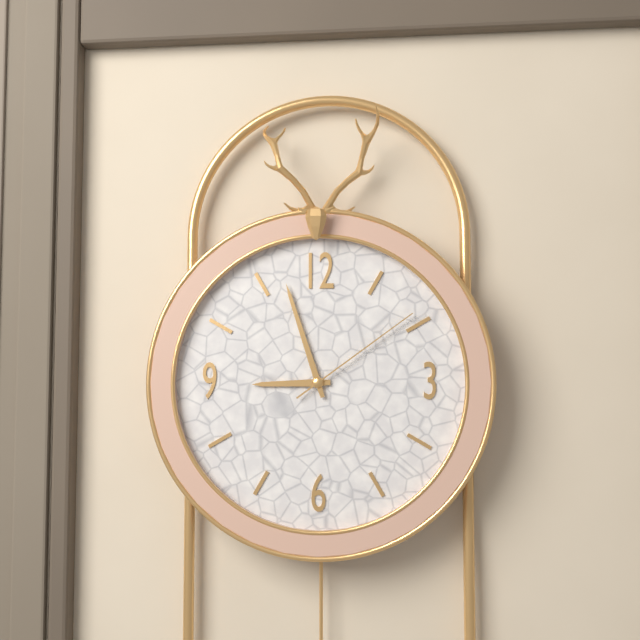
8:57:09
